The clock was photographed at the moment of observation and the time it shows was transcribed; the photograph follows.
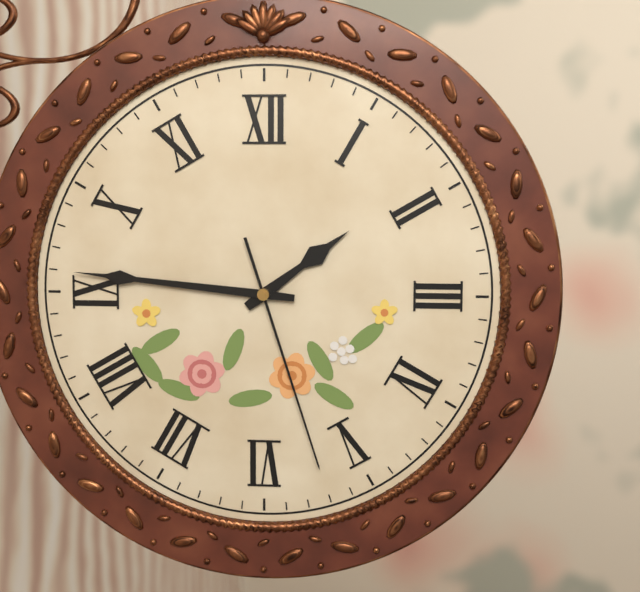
1:46:27
